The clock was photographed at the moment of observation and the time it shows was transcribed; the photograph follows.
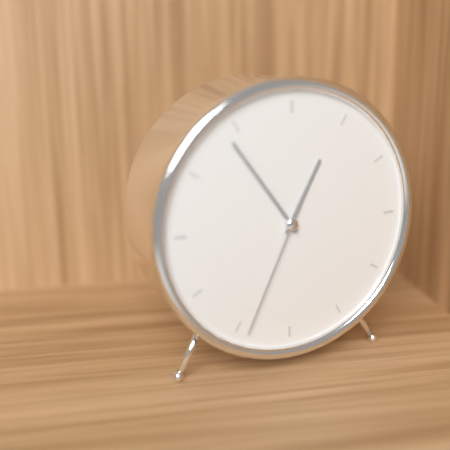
12:54:34
